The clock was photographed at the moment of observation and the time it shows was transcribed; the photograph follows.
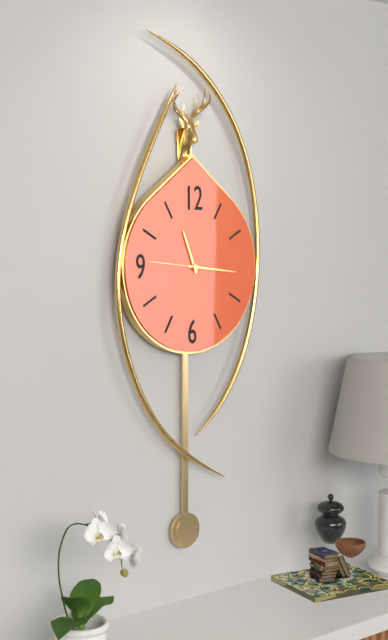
11:16:46
